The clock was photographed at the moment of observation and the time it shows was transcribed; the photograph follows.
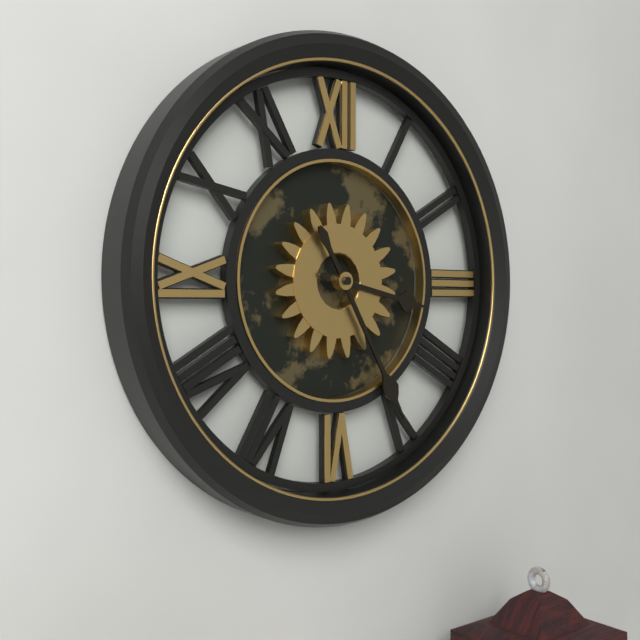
3:25
